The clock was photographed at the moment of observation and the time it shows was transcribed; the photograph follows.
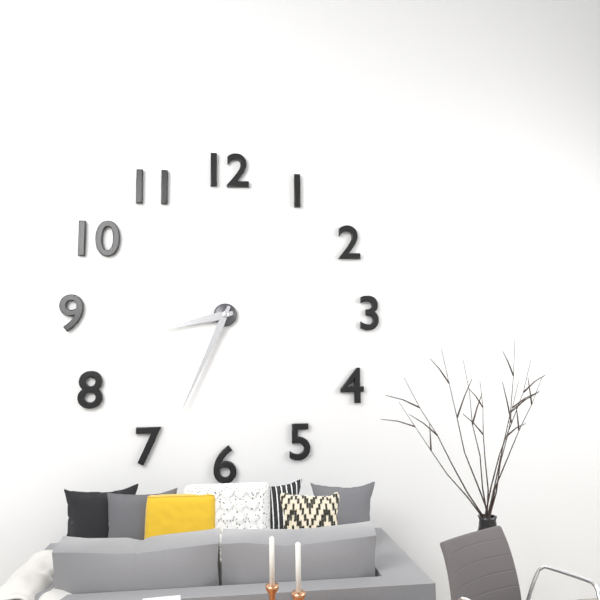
8:34
